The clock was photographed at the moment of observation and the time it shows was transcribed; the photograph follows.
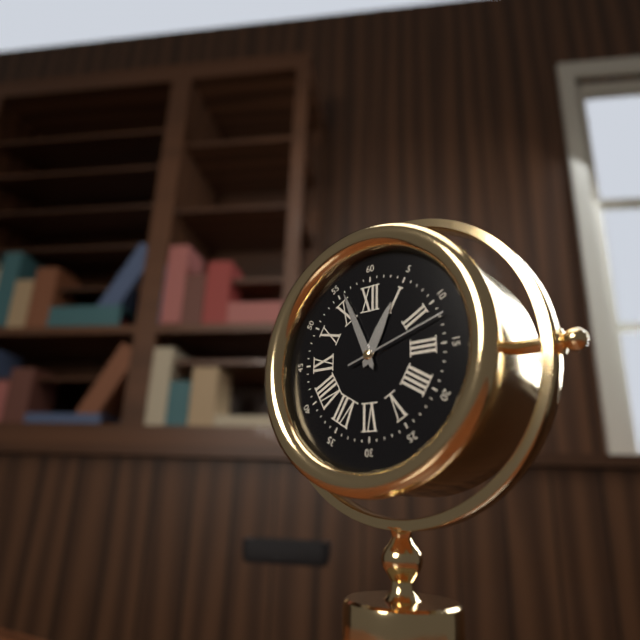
12:56:12
